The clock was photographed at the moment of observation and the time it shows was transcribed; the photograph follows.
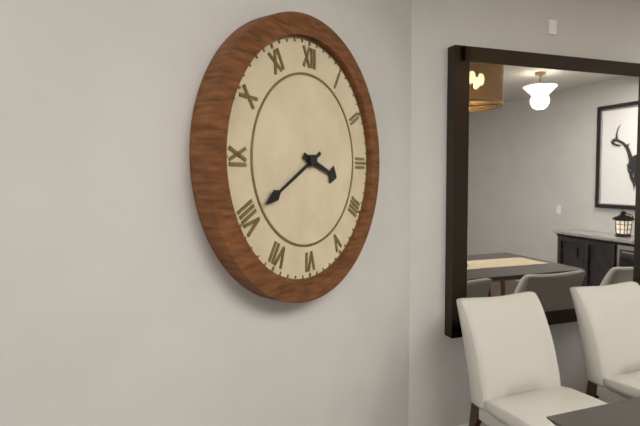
3:40
